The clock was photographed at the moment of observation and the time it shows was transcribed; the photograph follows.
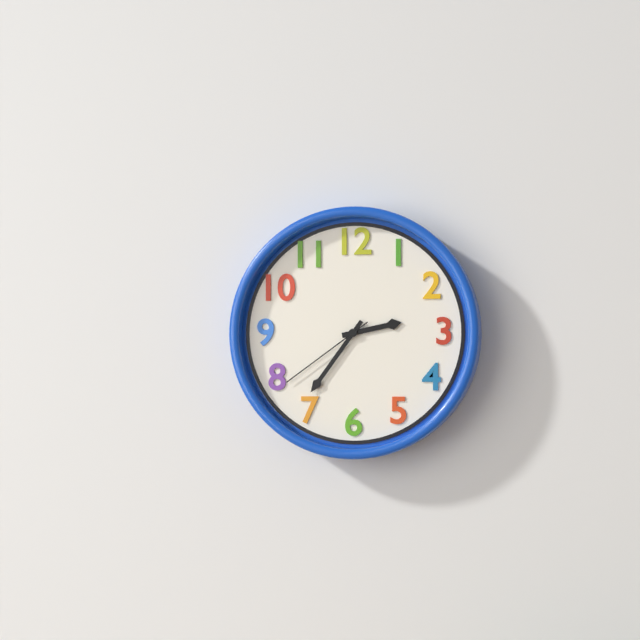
2:36:39
